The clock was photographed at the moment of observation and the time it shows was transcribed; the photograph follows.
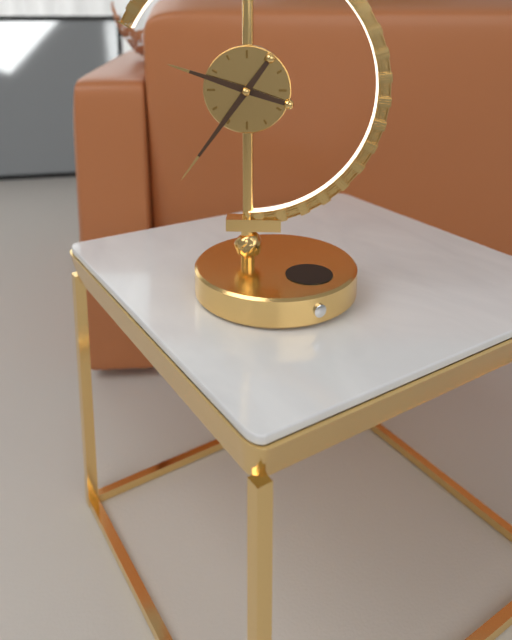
9:36
